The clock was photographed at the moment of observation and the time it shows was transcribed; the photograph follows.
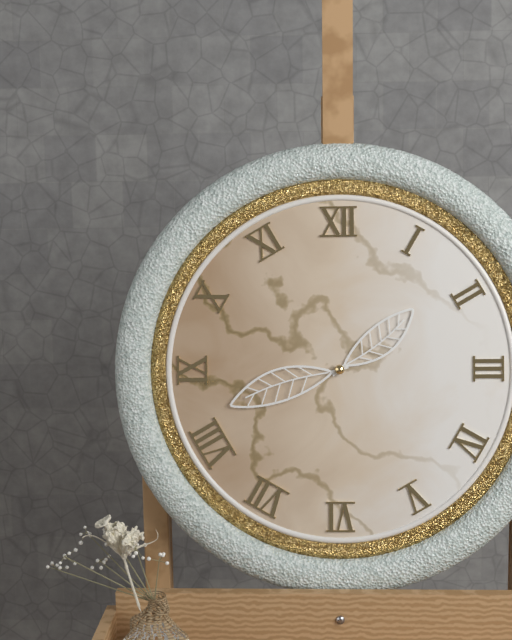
1:42
